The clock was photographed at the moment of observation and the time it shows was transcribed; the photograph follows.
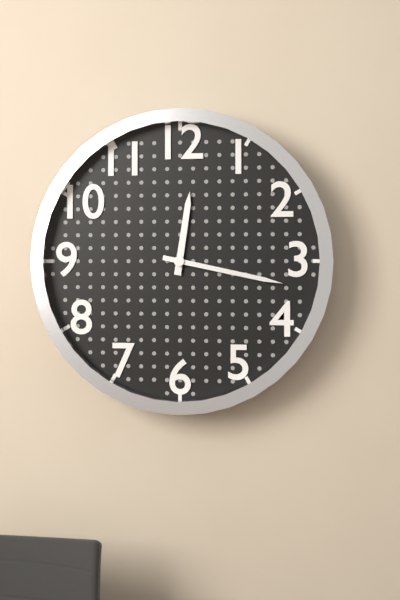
12:17
